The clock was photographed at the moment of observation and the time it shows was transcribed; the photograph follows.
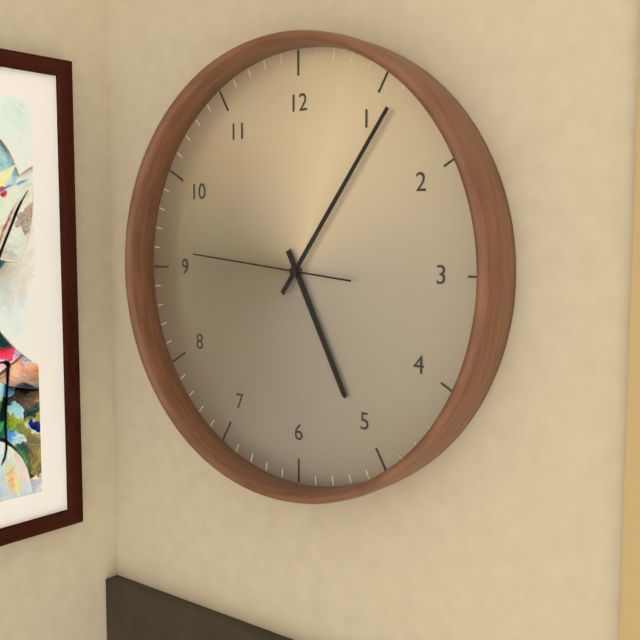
5:06:46
